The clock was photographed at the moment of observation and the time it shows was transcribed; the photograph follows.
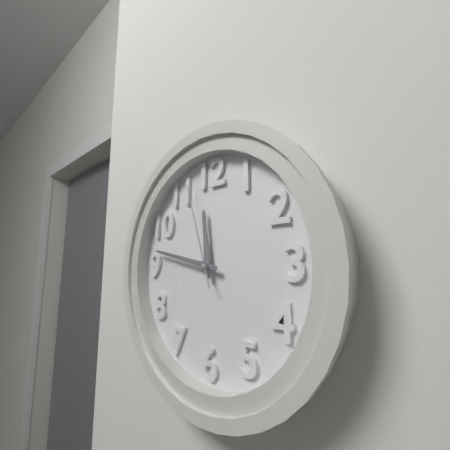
11:47:57
